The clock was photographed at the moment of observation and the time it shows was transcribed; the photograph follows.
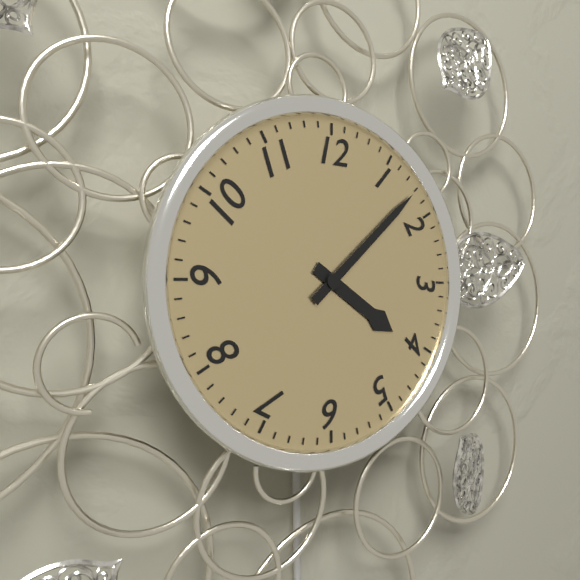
4:08
